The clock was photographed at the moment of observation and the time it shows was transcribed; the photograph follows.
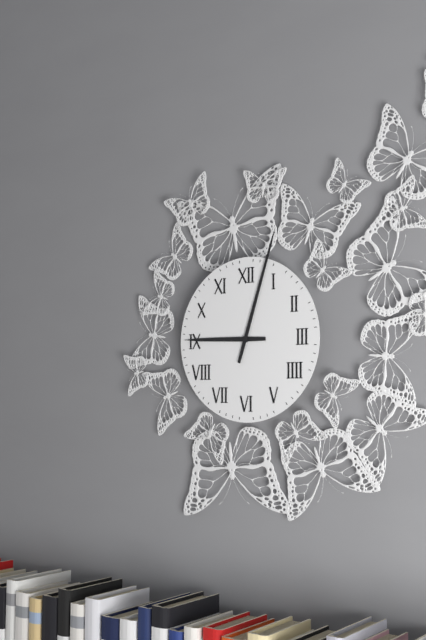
9:03
